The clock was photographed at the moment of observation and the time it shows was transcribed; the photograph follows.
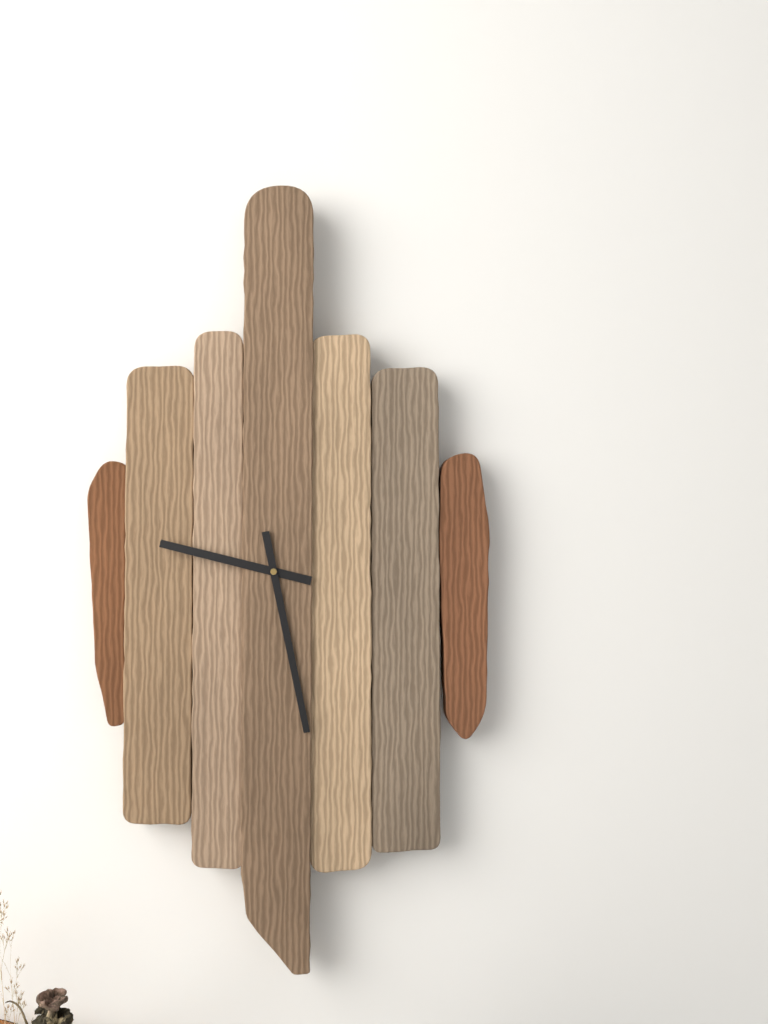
9:28
